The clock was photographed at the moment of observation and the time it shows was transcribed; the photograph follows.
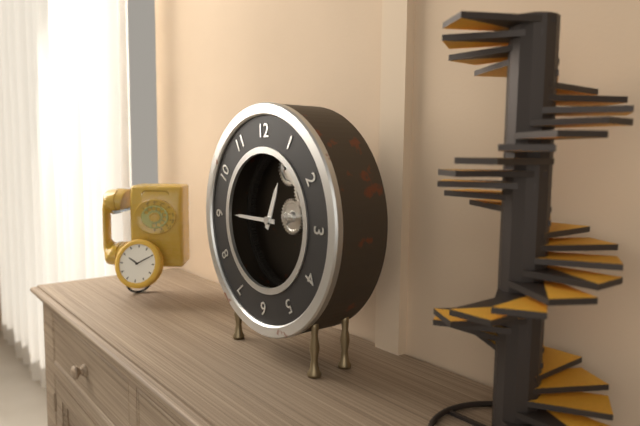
12:45
